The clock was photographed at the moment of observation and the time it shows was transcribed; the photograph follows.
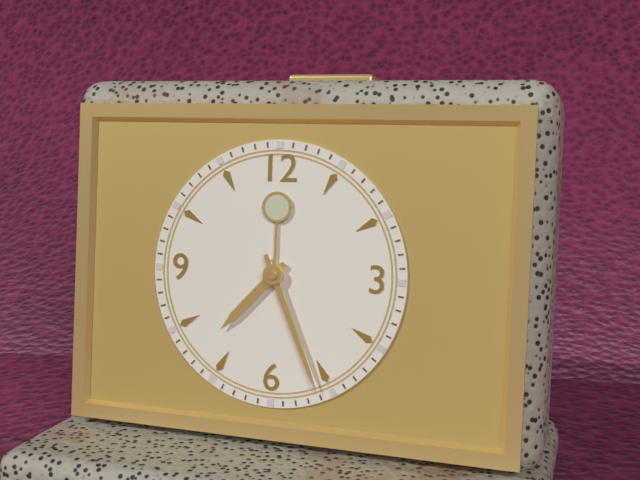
7:26
